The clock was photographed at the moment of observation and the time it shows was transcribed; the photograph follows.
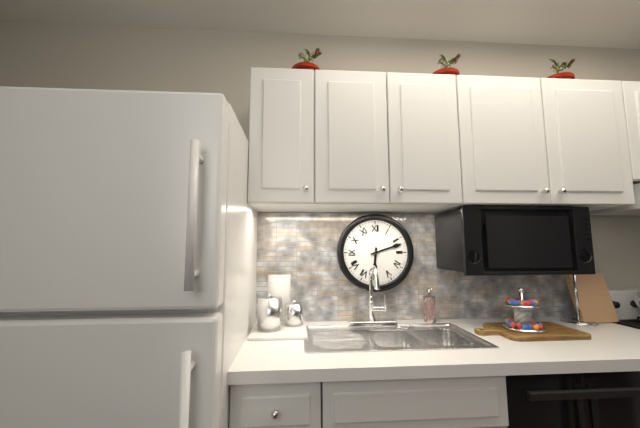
6:12
